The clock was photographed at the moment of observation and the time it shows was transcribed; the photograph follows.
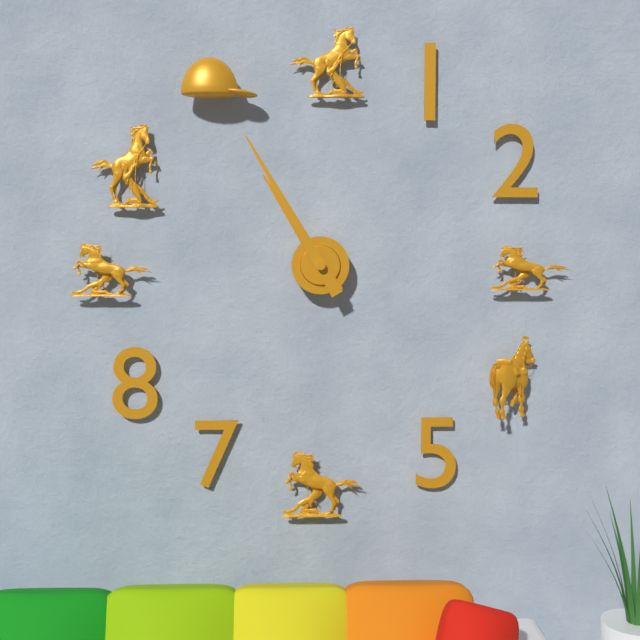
10:55
